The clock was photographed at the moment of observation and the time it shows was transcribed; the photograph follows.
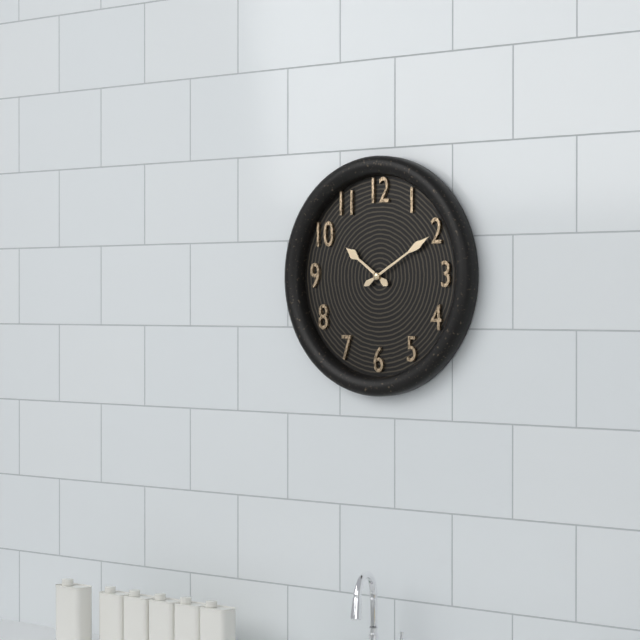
10:10
